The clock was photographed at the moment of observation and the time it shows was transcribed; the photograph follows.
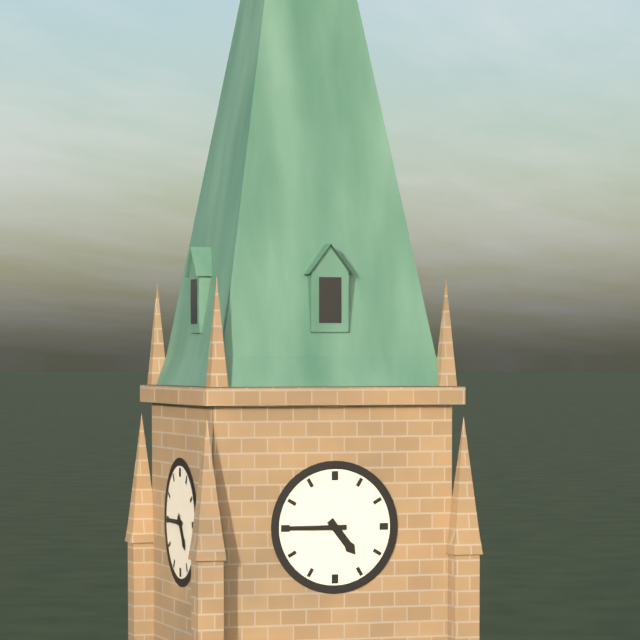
4:45
